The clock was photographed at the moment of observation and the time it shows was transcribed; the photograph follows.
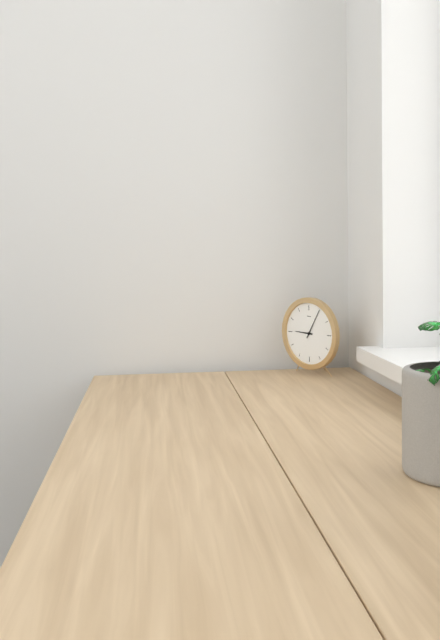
9:05
